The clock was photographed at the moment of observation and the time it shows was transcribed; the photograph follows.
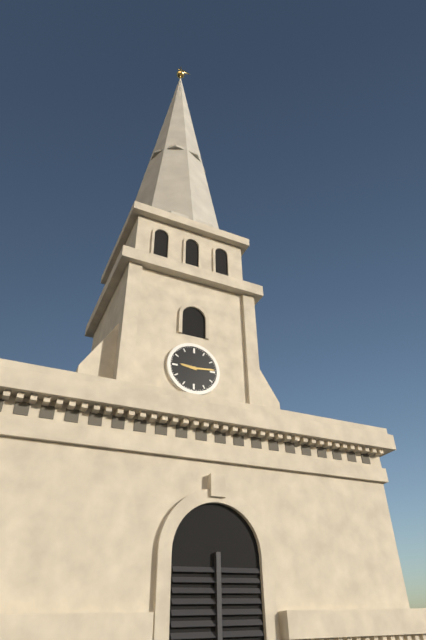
9:14
